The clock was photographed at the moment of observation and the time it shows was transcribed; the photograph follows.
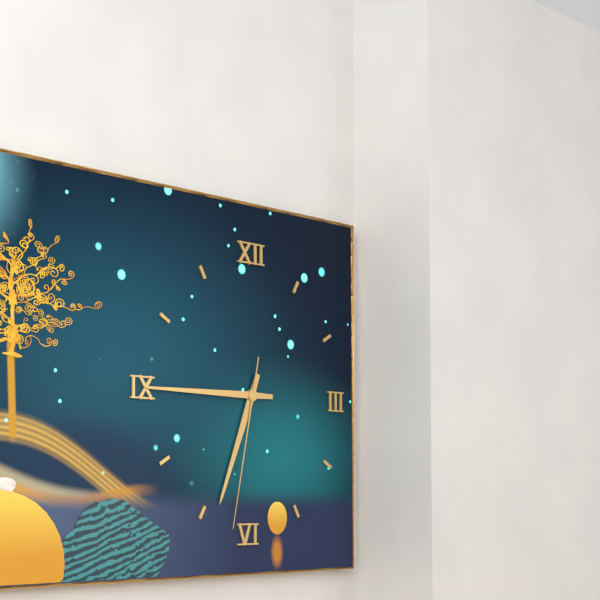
6:45:32
